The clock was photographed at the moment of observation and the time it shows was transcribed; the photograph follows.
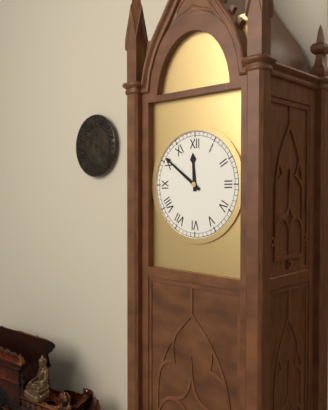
11:51
